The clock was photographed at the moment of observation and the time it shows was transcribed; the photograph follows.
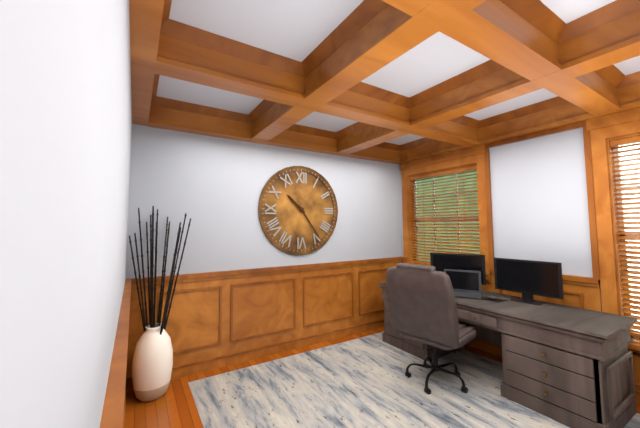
10:24
